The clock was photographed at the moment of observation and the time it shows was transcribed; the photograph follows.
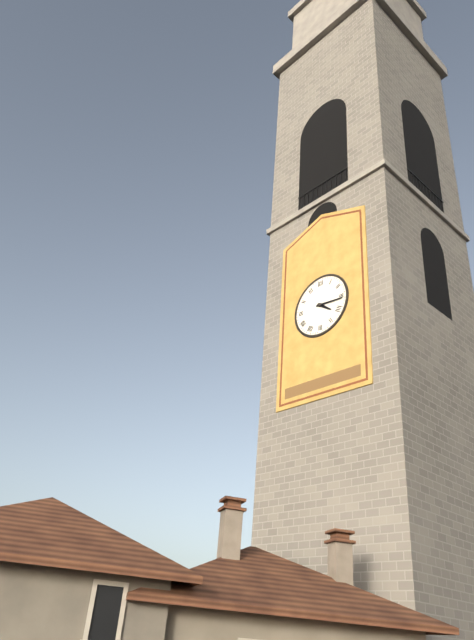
4:16
